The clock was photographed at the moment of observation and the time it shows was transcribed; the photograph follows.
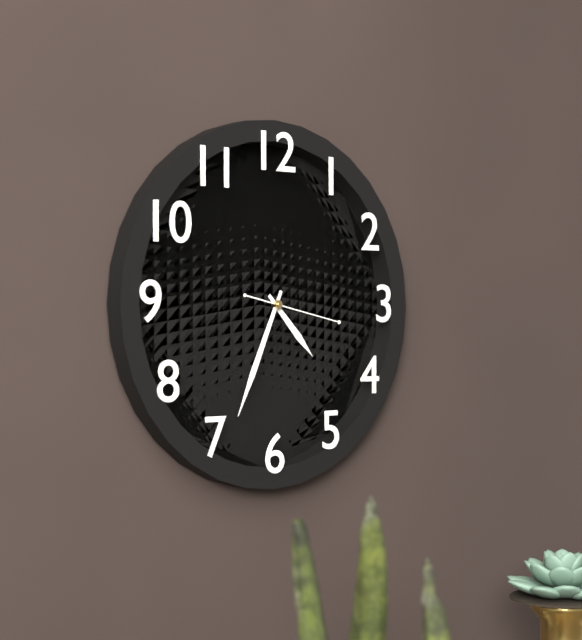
4:34:17
